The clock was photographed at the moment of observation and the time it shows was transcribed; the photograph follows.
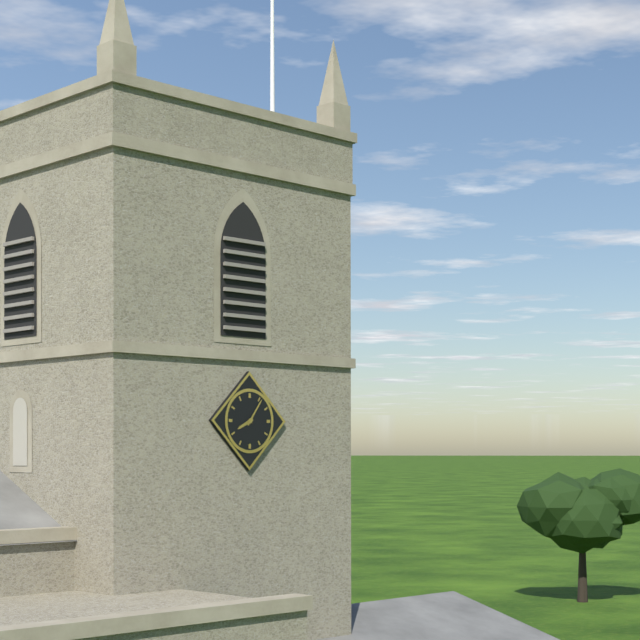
8:06
